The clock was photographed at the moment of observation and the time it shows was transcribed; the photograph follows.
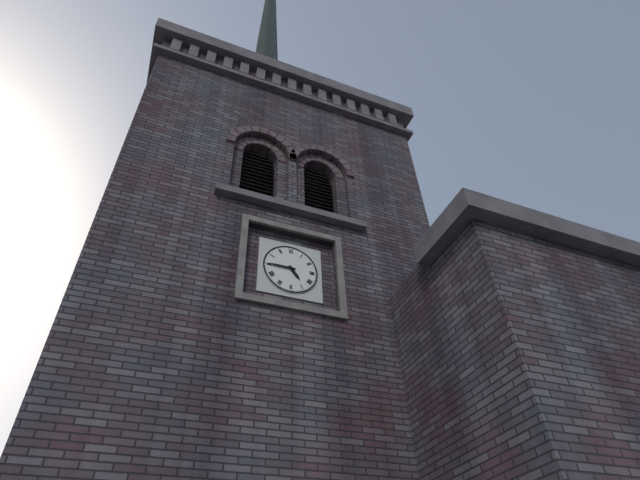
4:45
